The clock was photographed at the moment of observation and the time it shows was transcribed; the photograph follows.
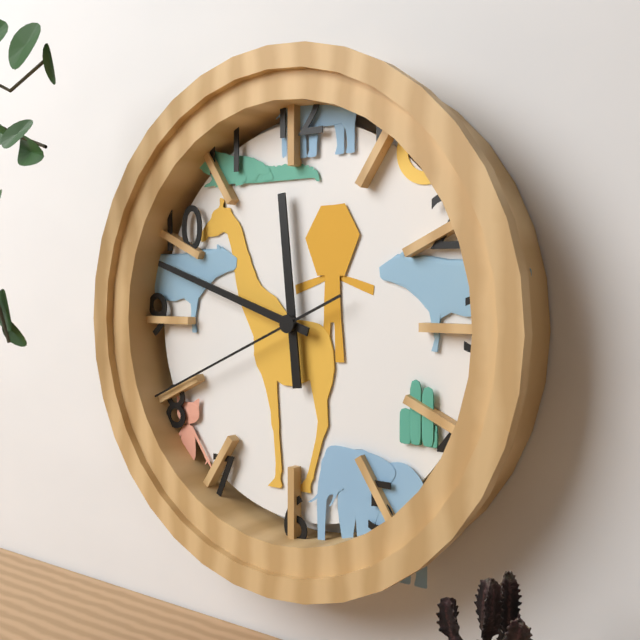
11:48:41
